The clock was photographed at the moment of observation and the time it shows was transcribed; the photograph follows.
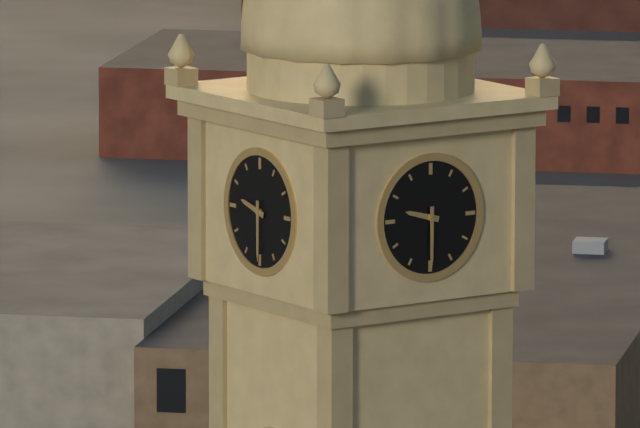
9:30
